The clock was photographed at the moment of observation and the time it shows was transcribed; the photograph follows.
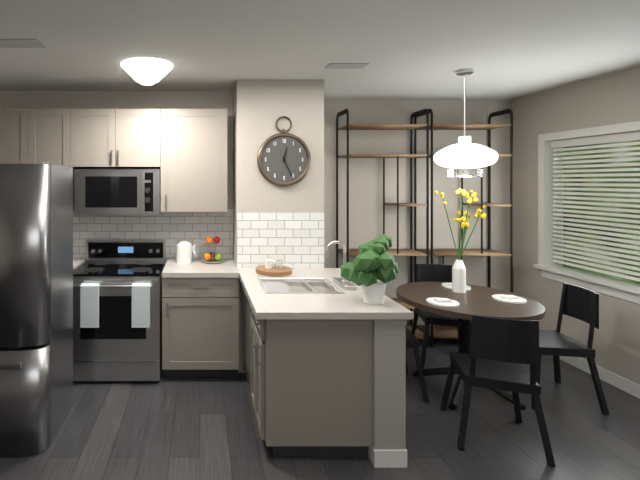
12:26
